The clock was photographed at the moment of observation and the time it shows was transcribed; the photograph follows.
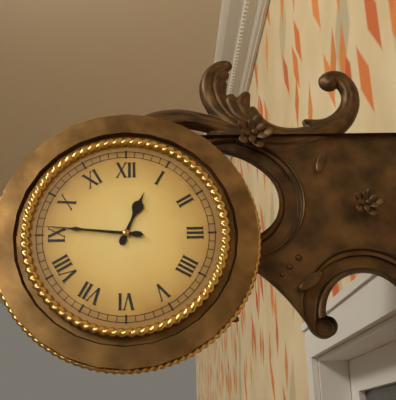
12:46
